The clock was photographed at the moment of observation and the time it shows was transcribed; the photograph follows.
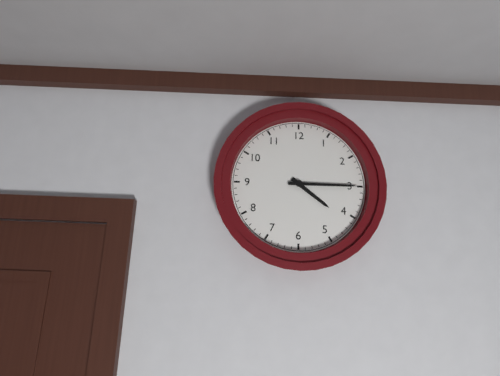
4:15
